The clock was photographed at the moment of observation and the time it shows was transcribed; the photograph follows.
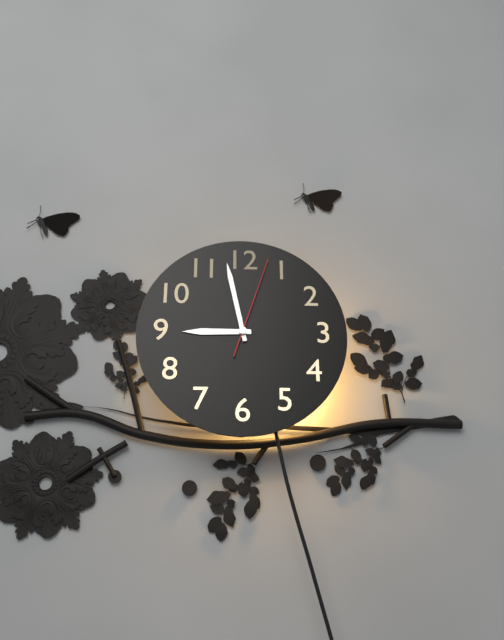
8:58:03
